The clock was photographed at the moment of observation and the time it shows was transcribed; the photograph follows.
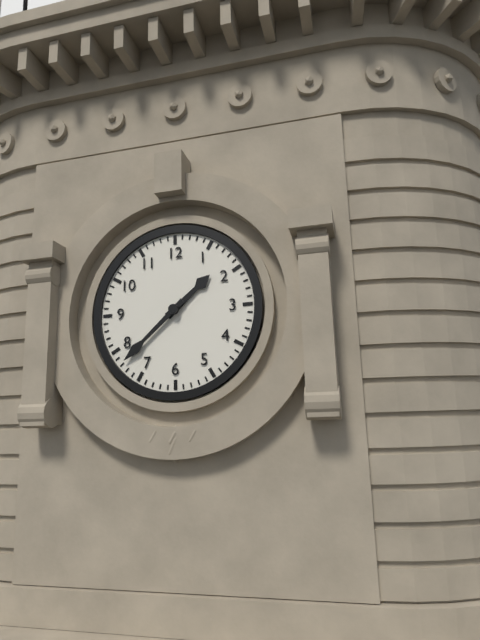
1:38
